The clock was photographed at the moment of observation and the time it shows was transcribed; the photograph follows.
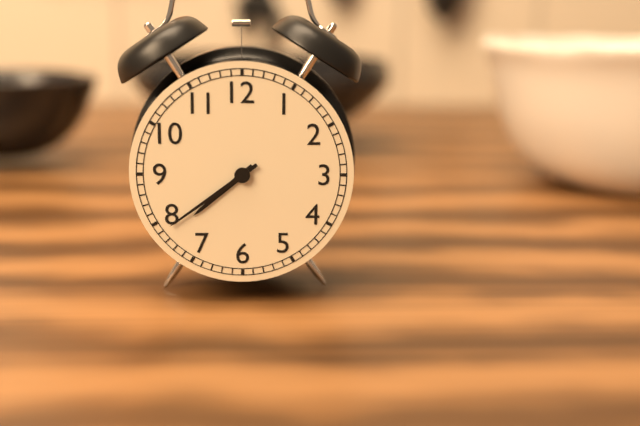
7:39
